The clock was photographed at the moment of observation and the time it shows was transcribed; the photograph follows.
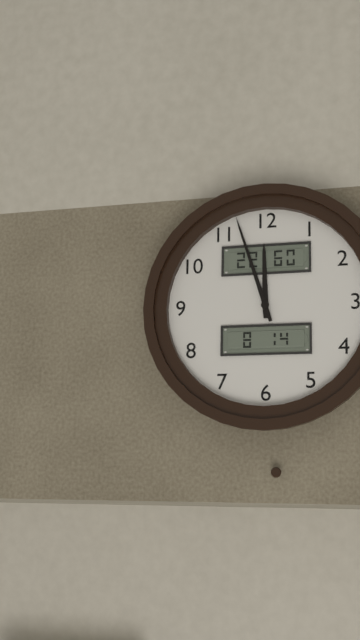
11:57
